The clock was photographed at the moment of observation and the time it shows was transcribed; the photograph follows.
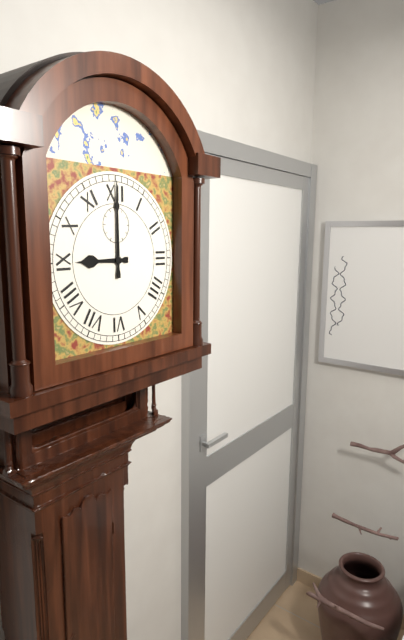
9:00
